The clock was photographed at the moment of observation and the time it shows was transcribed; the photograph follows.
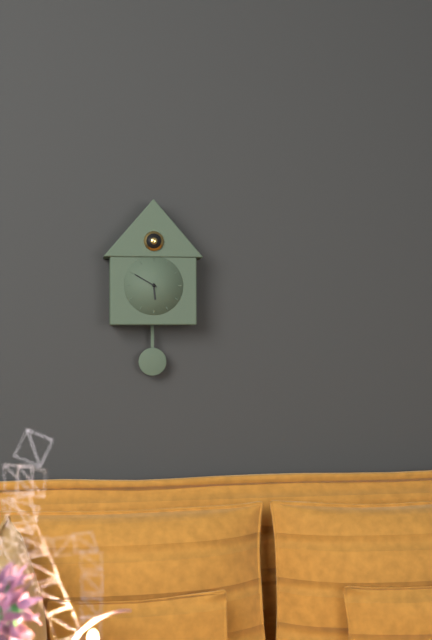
5:50
